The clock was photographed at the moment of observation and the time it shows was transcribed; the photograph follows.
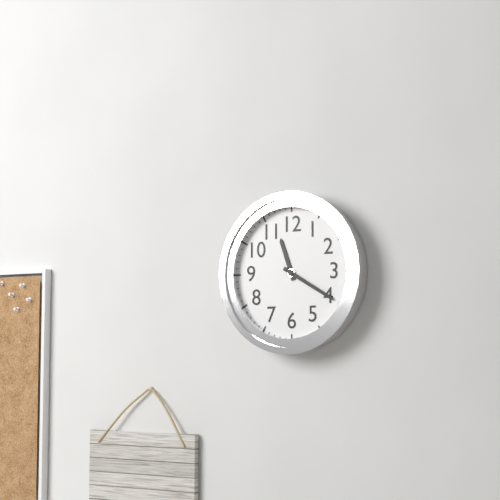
11:20
